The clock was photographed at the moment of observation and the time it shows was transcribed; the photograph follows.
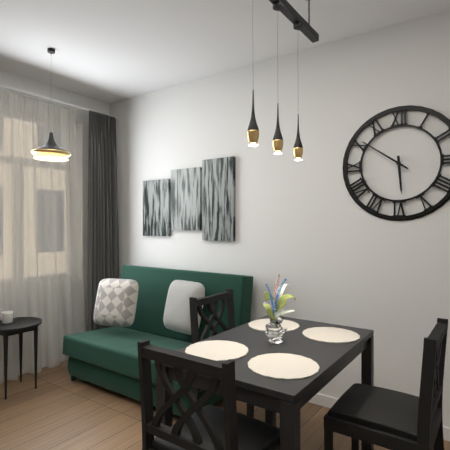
5:51
